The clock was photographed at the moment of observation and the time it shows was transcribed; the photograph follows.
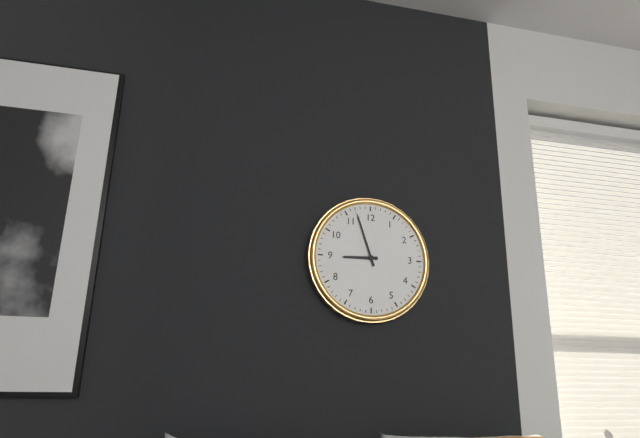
8:57
